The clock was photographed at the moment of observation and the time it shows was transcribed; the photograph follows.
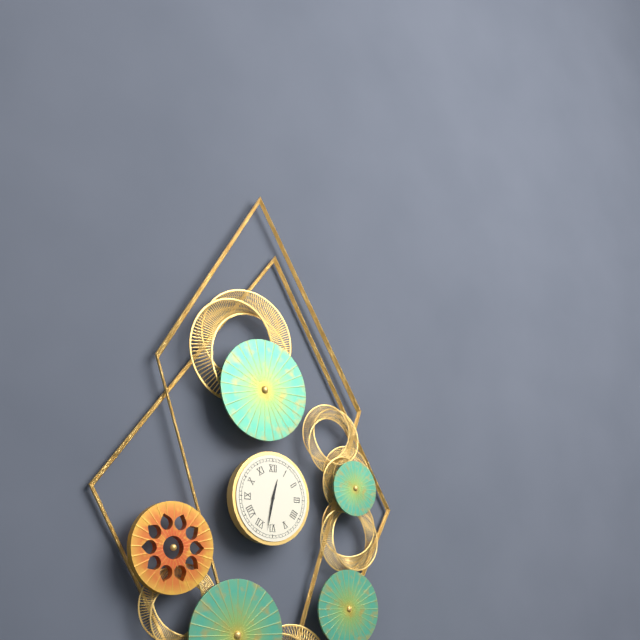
12:32
